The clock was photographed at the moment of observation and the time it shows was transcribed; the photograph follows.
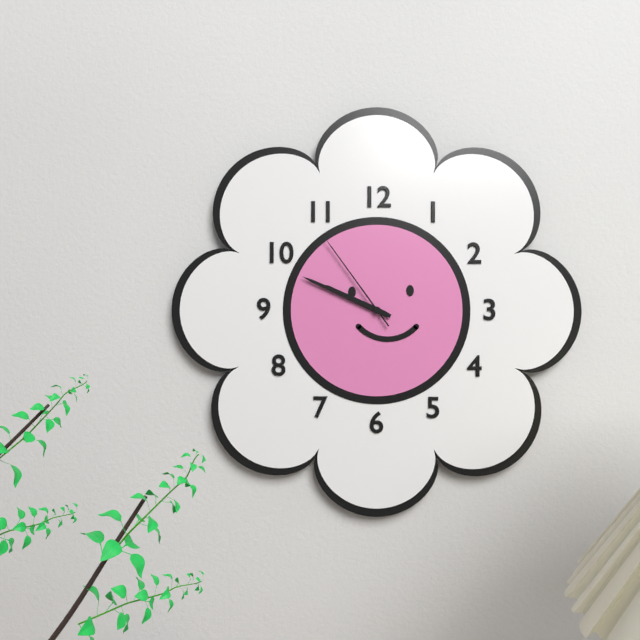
9:49:54
